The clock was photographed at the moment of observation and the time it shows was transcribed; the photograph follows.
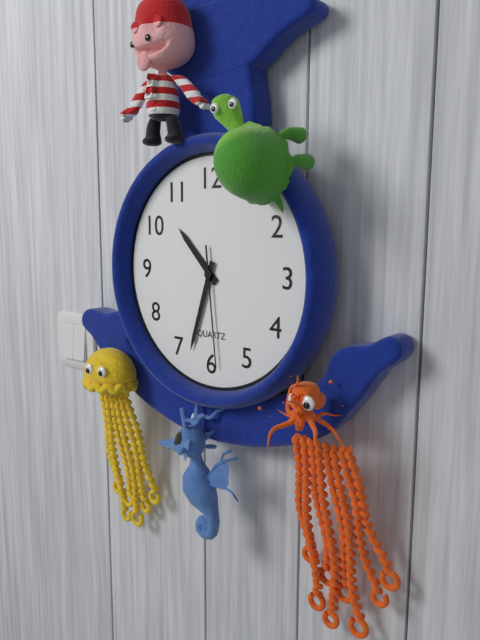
10:33:29
